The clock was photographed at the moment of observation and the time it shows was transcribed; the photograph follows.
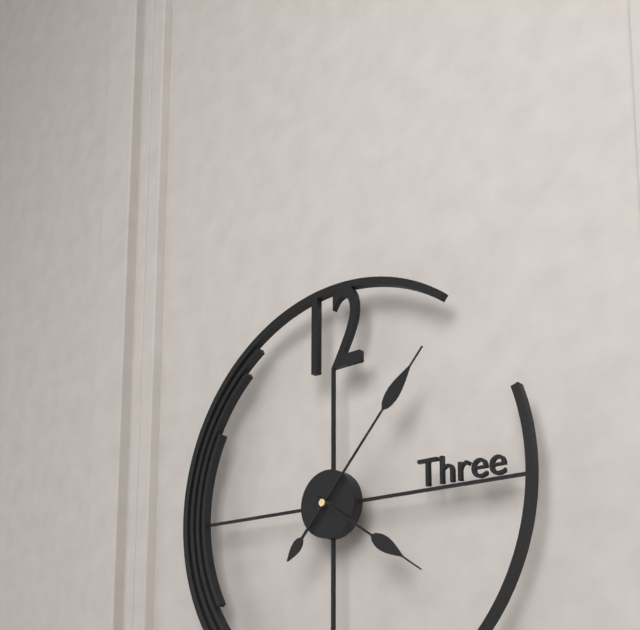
4:07
